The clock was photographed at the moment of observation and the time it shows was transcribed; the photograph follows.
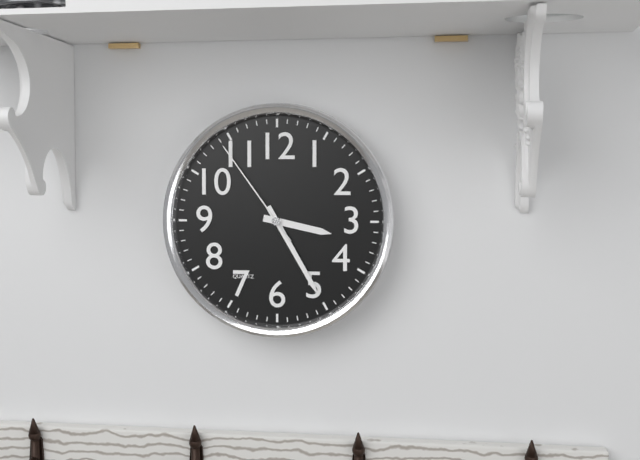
3:25:54
